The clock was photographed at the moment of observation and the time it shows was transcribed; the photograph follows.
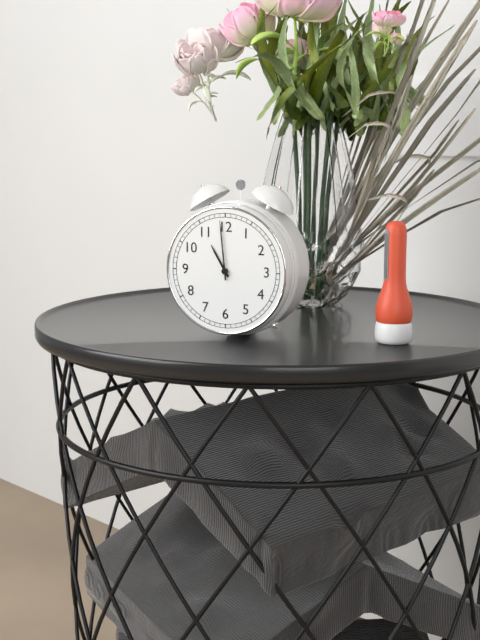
10:59
